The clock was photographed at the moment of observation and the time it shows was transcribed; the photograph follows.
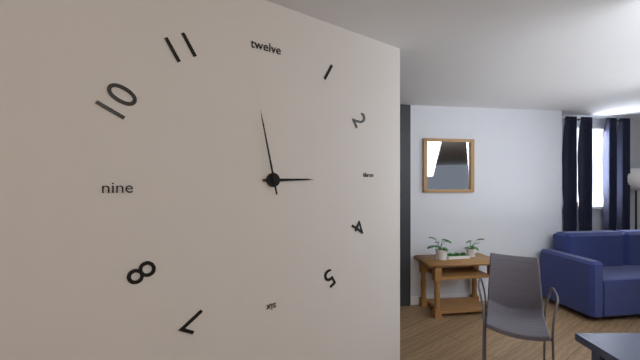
2:58
